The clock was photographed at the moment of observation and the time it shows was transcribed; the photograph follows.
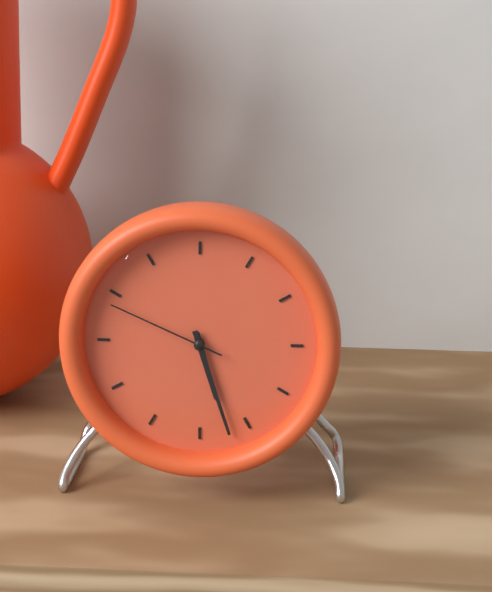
5:27:49
